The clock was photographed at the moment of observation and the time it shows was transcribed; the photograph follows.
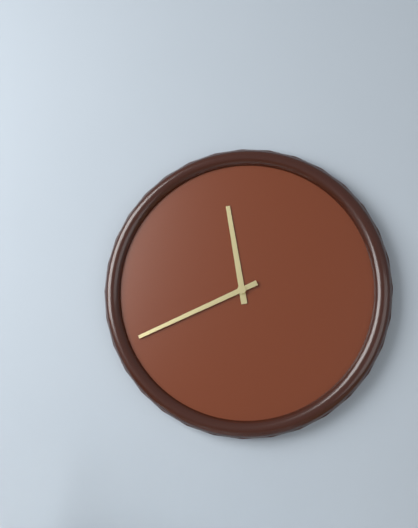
11:41
